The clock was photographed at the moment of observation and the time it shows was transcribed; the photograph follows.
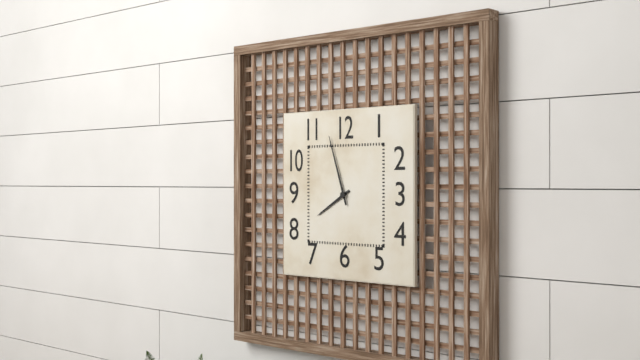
7:57
